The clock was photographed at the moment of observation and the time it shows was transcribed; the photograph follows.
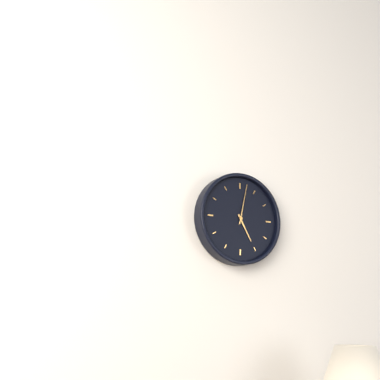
5:02
